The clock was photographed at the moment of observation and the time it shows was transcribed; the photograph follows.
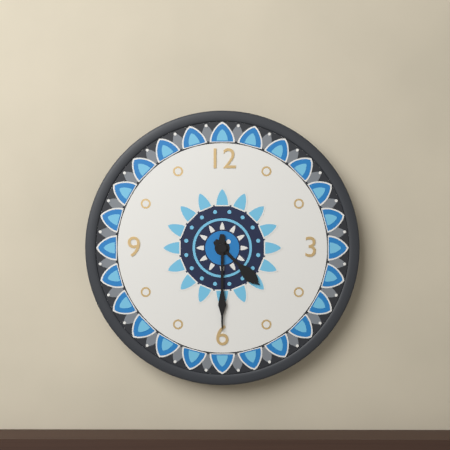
4:30
